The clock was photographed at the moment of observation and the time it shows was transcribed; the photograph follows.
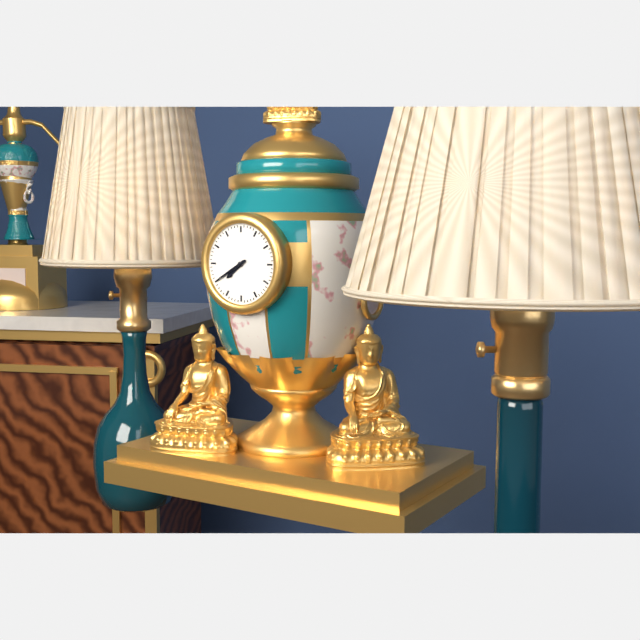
7:40
